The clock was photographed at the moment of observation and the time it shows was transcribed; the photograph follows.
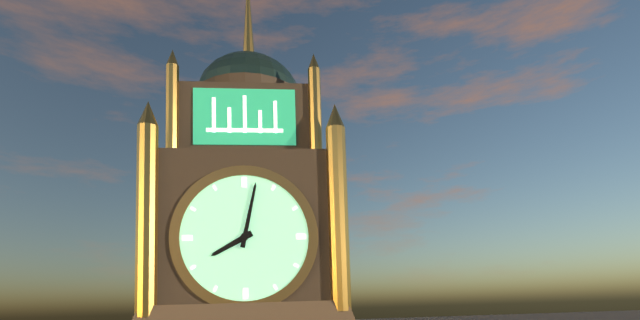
8:02
